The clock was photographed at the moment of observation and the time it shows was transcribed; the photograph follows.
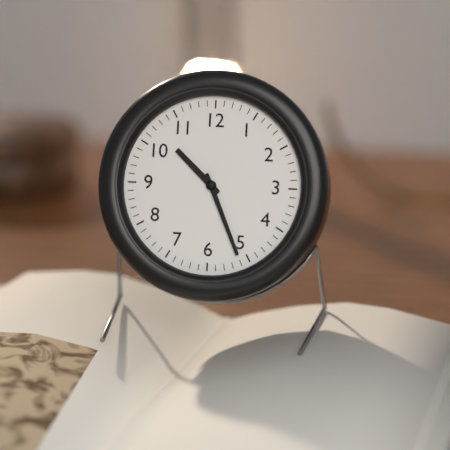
10:26
